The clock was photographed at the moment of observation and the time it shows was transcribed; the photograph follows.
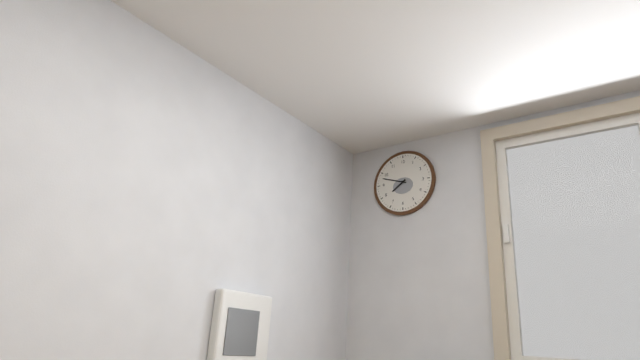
7:48
